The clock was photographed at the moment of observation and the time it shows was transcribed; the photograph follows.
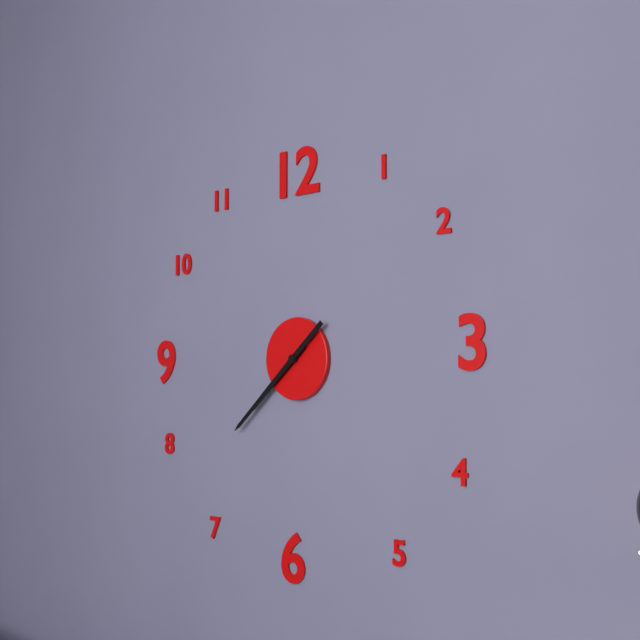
7:38
